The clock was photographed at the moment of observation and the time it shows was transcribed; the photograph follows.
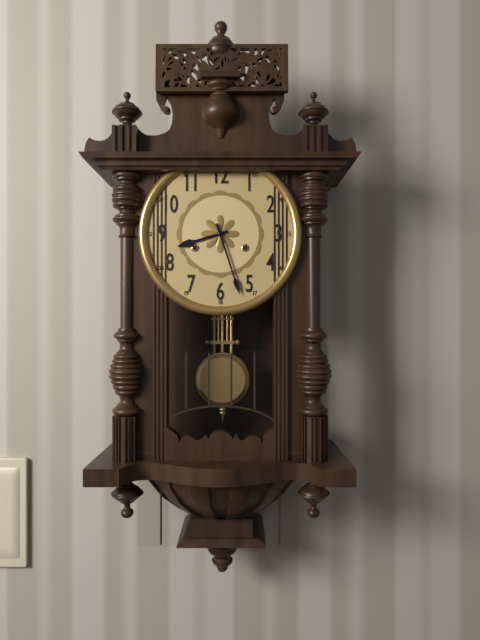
8:27
